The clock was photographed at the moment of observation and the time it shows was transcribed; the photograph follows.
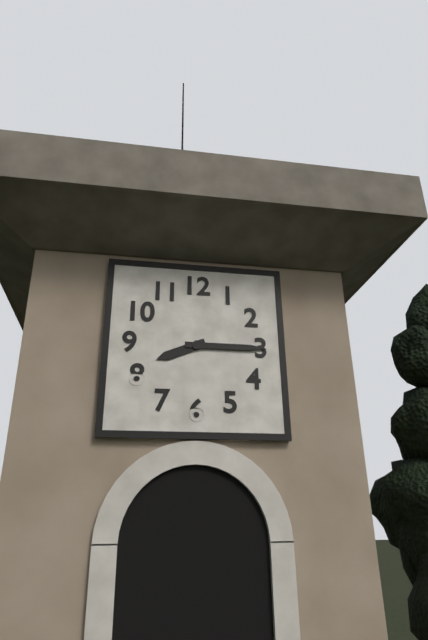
8:15
